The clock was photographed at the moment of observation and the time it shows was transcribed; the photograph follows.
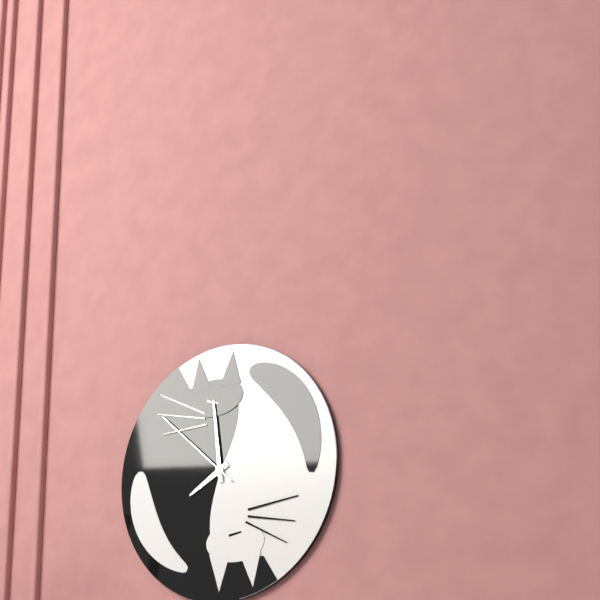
7:59:52
